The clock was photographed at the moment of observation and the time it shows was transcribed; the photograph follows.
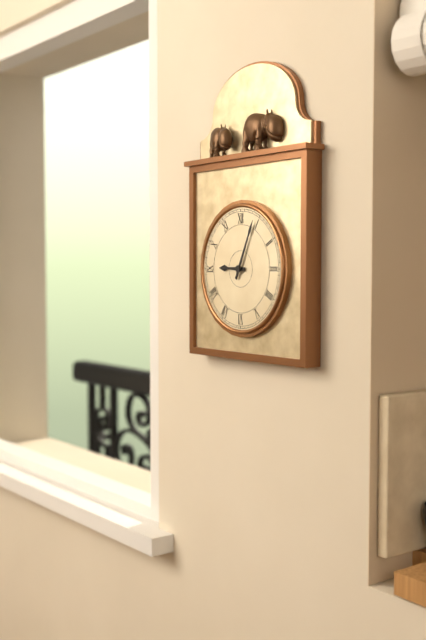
9:04
